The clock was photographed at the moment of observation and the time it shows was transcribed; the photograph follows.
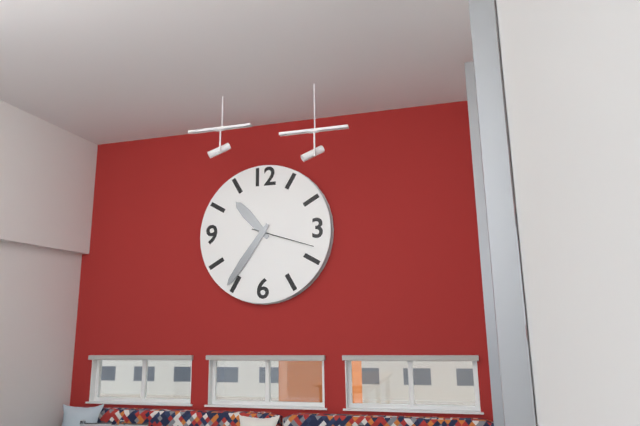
10:36:18
